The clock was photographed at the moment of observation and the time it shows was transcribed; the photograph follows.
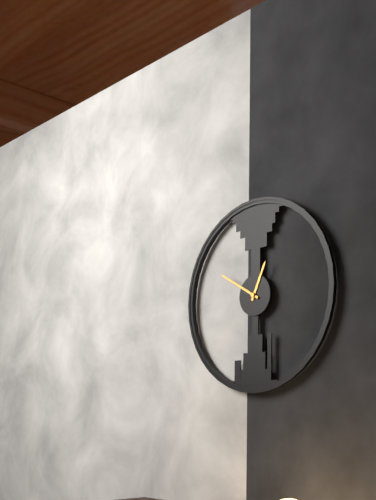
12:50
